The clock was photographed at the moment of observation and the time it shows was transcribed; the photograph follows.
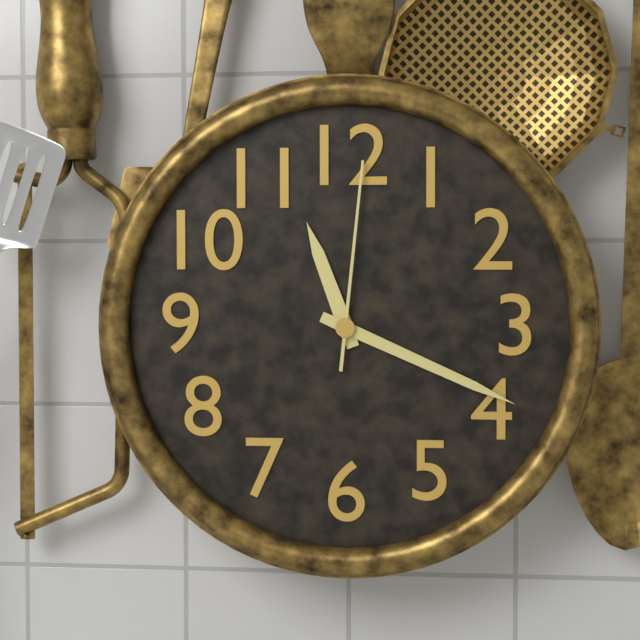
11:19:01
